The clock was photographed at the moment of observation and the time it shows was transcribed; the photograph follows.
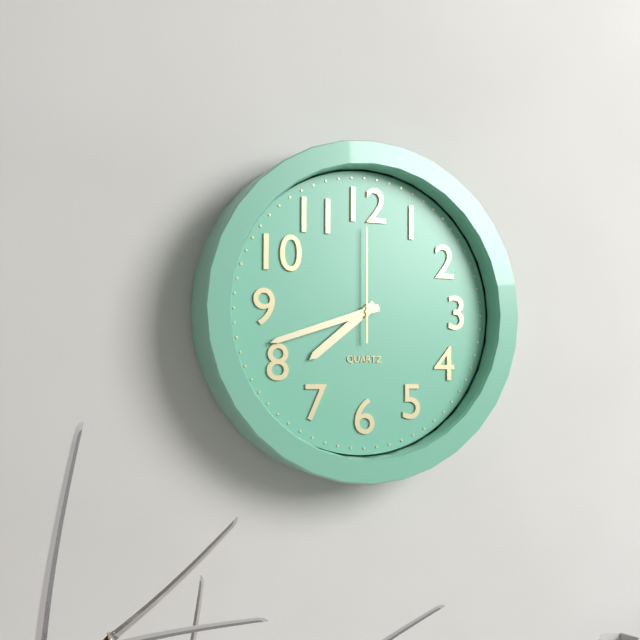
7:42:00
